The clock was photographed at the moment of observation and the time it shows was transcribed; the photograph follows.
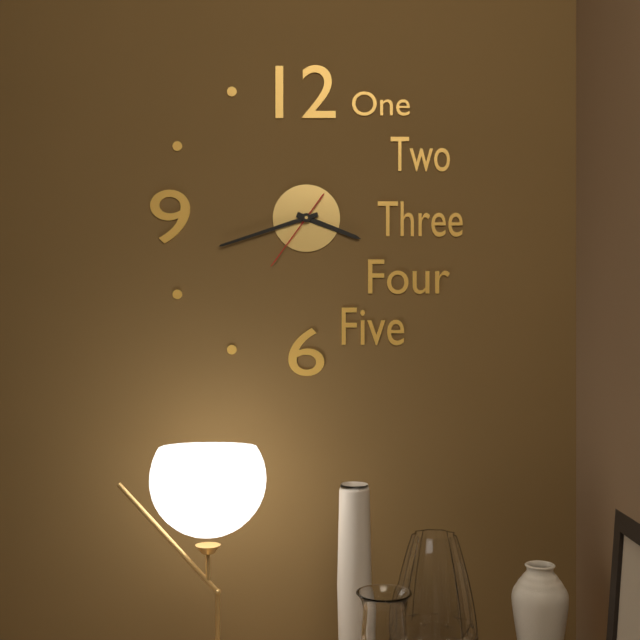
3:42:36
